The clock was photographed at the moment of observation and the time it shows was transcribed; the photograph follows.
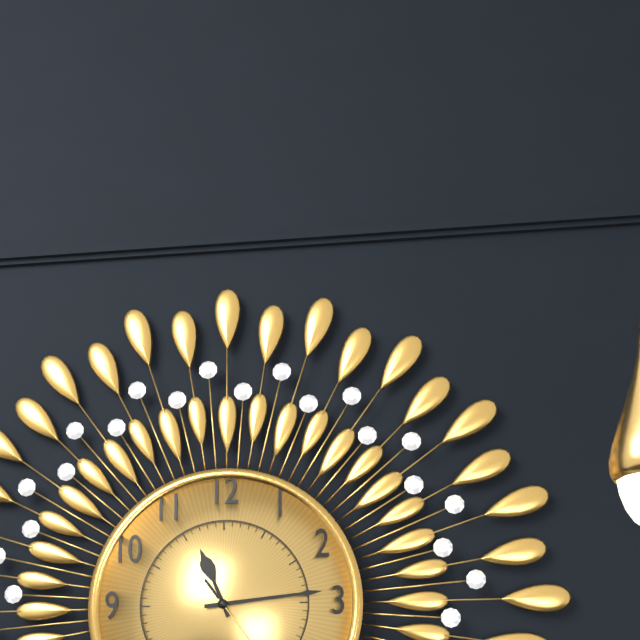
11:14
